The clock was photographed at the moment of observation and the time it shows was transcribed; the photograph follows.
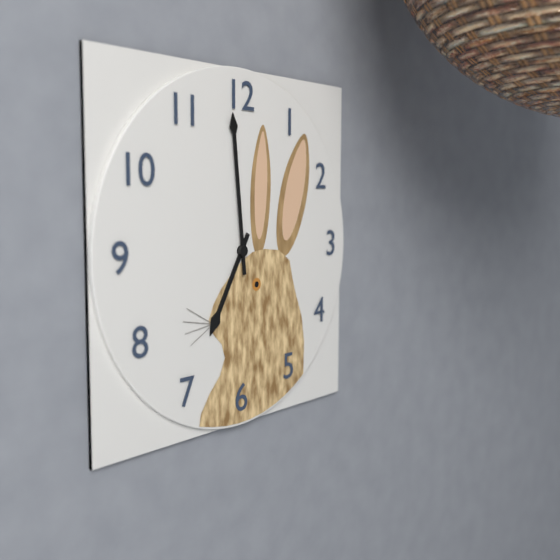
6:59
